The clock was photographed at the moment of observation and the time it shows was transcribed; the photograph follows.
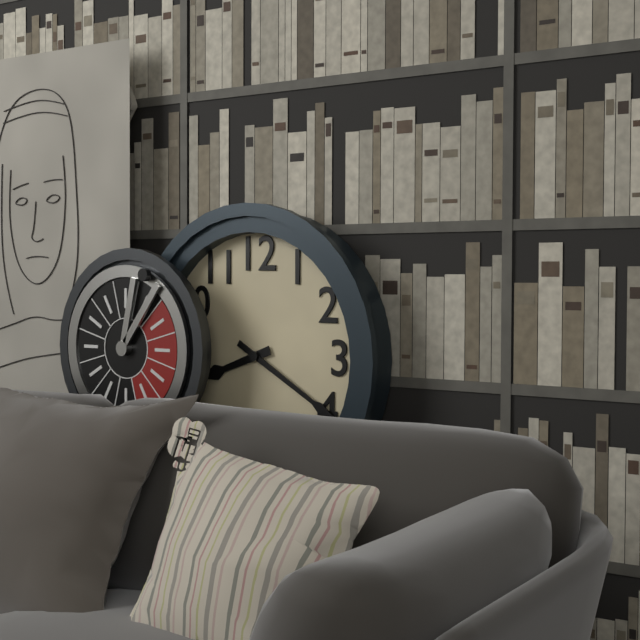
8:20
